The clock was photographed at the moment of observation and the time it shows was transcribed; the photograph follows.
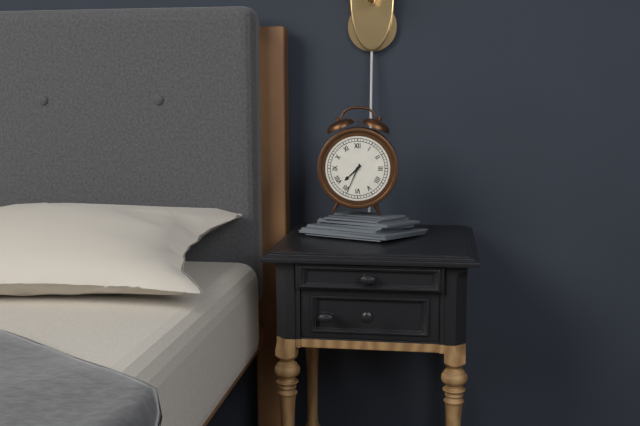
7:34
